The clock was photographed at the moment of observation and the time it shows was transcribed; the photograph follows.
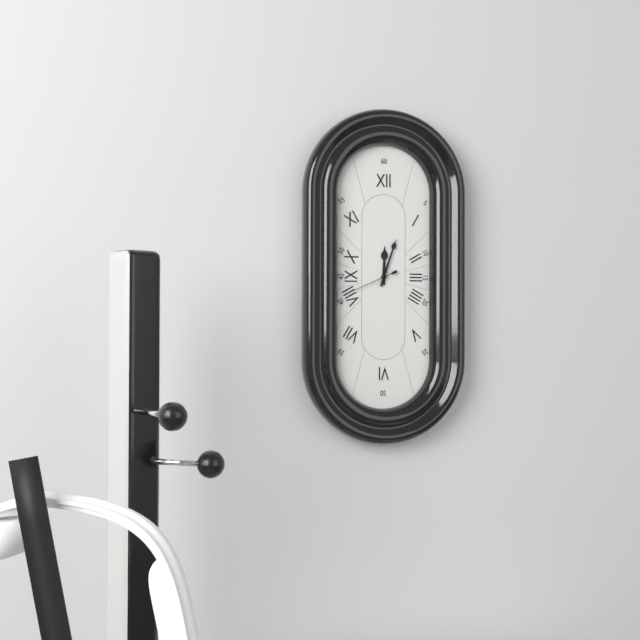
12:03:41
